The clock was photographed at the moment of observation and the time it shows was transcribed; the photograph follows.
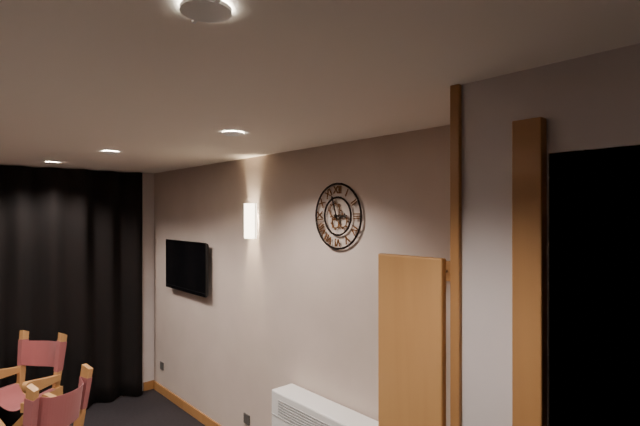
2:57
